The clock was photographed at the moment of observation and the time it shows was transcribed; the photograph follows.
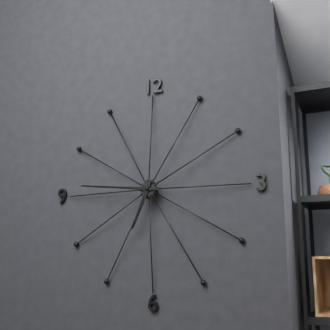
6:46
